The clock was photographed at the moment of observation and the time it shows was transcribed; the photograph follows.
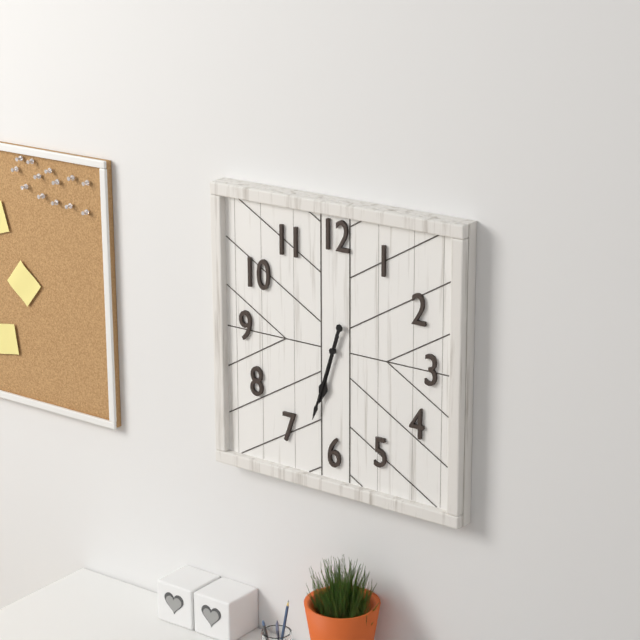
6:33
